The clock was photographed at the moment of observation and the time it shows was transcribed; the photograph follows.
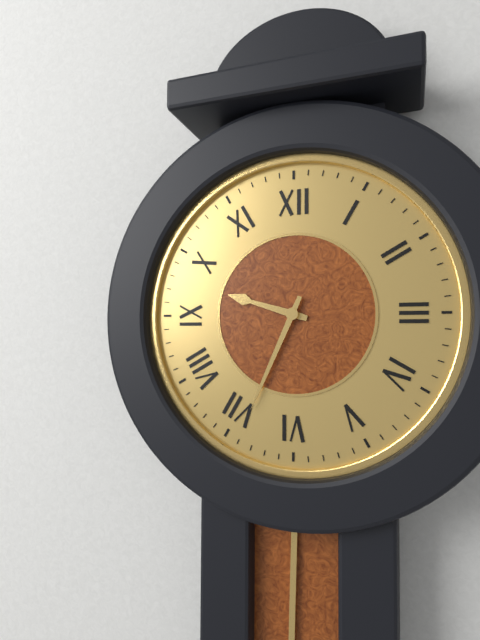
9:34
